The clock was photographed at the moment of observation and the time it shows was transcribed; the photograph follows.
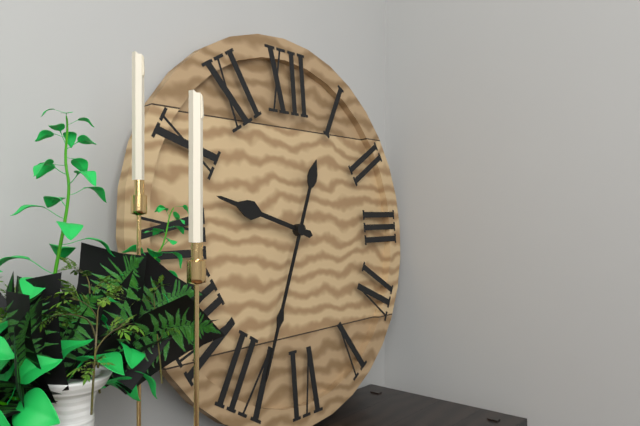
9:34
